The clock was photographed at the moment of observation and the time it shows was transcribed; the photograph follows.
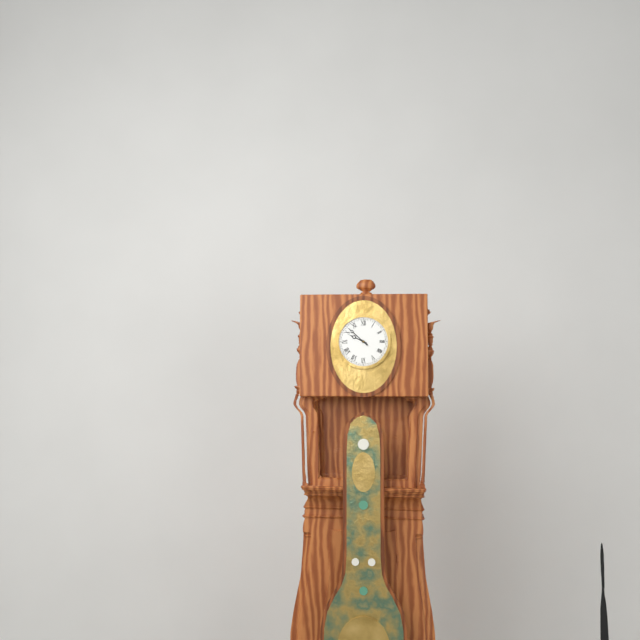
9:52
